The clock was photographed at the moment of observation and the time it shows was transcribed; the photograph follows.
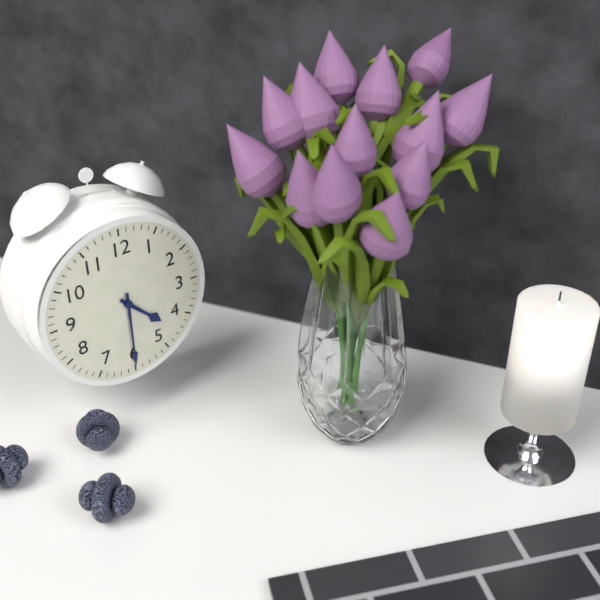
4:30
